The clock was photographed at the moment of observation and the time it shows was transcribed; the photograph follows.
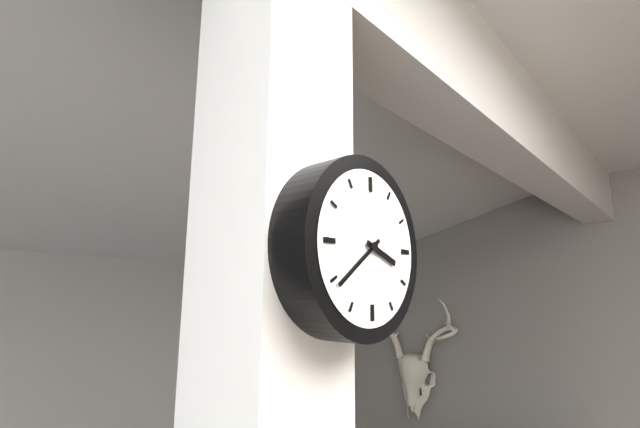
3:39
